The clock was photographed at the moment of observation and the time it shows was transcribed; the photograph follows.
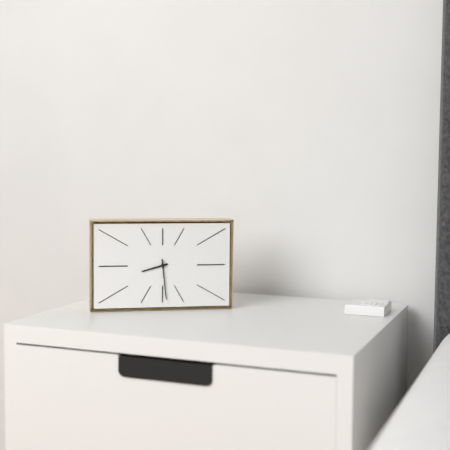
8:29
